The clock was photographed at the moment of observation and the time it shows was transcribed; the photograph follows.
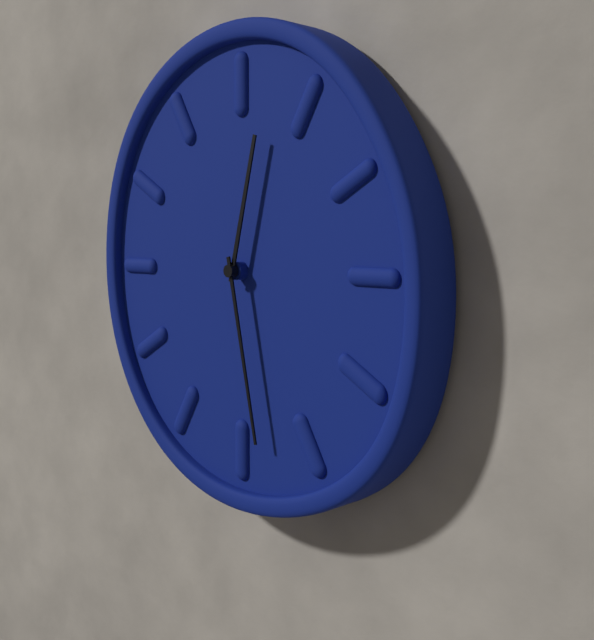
12:28
